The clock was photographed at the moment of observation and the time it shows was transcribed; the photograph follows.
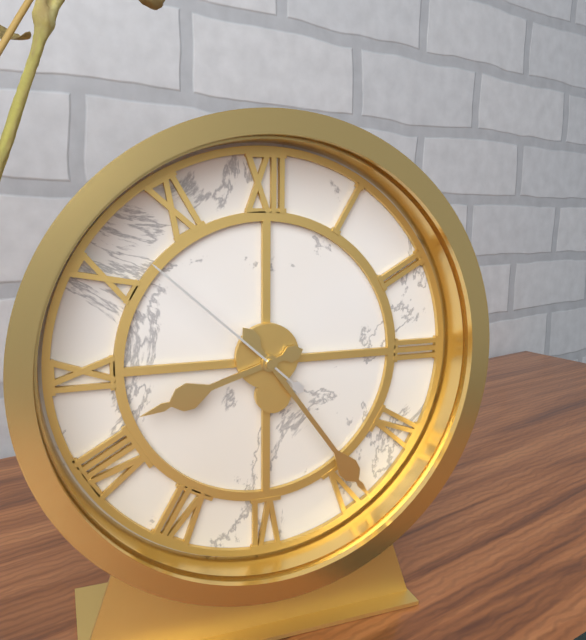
8:24:52
